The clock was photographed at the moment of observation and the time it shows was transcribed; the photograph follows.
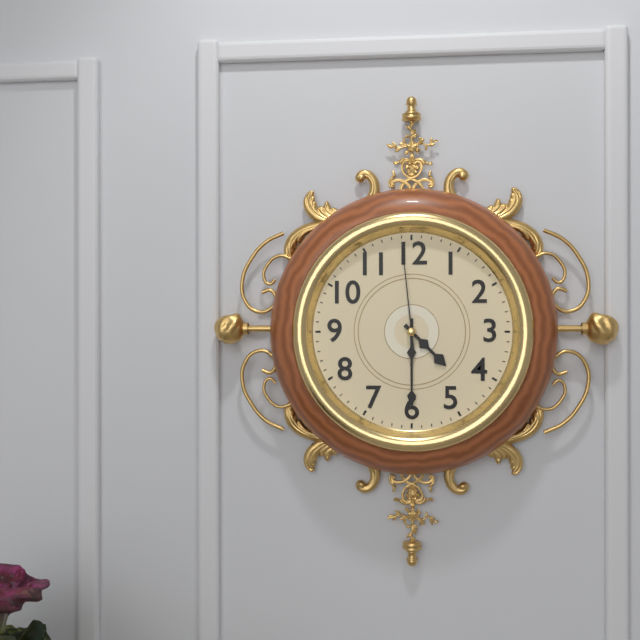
4:30:59
